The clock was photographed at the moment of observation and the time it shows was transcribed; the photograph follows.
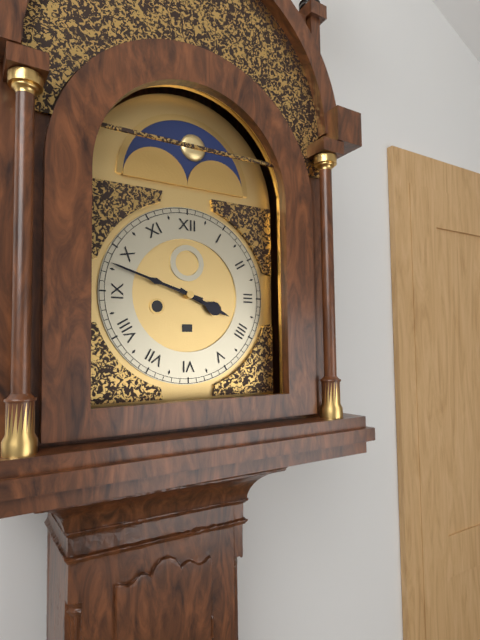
3:48
